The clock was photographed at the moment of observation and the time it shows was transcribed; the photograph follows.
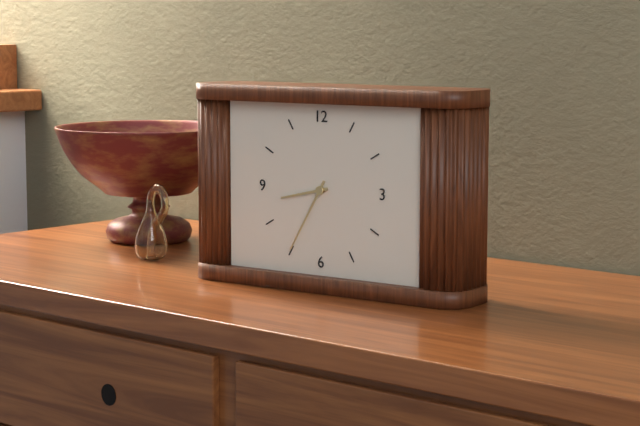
8:35
